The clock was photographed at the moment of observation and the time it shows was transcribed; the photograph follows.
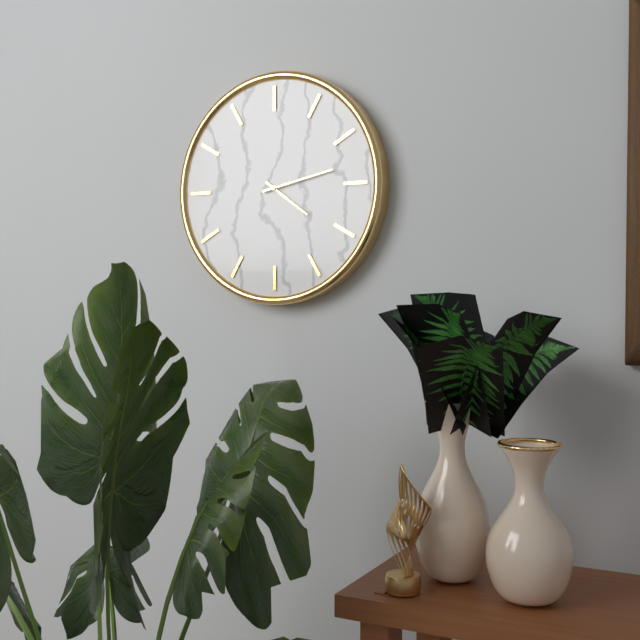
4:13
